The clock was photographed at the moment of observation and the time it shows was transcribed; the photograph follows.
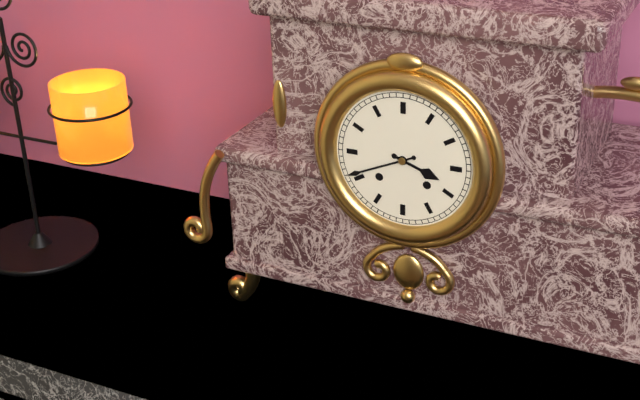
3:41
